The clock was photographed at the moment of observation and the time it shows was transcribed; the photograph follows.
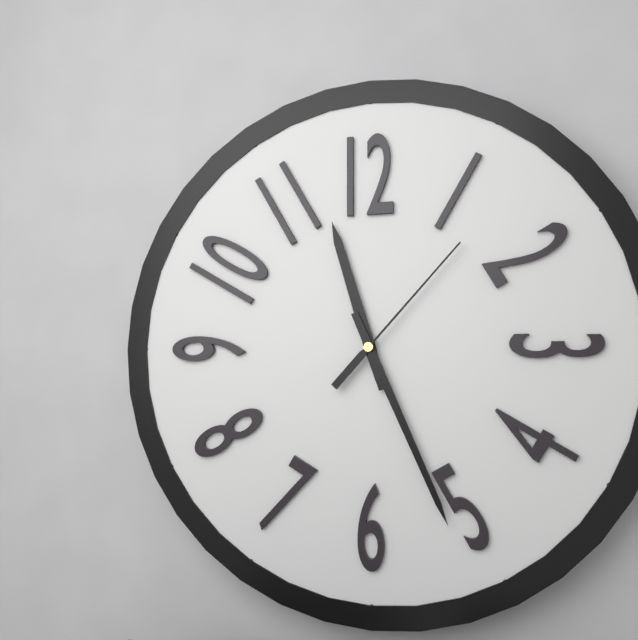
11:26:07
